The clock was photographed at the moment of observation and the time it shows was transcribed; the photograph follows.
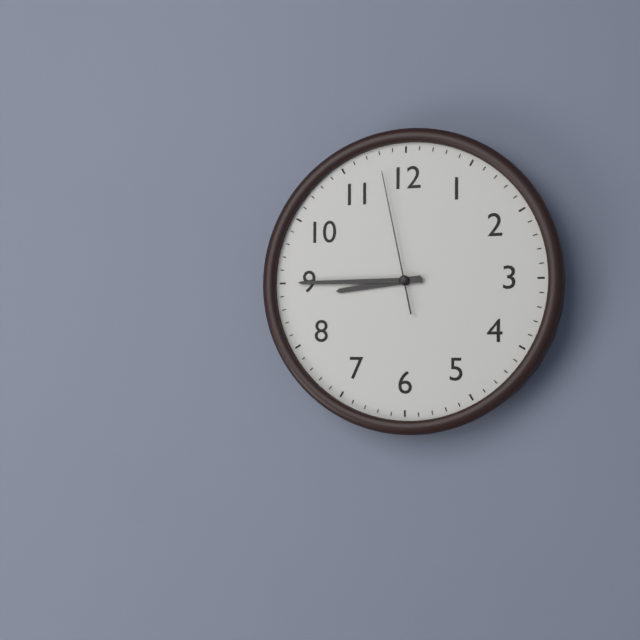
8:45:58
